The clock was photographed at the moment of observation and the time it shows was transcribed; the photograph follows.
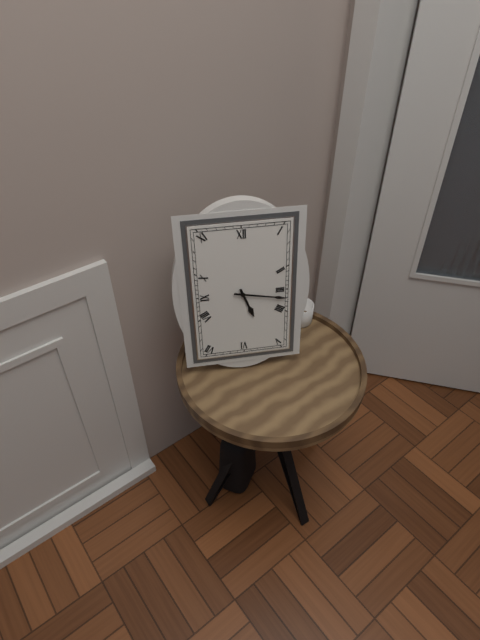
5:17
